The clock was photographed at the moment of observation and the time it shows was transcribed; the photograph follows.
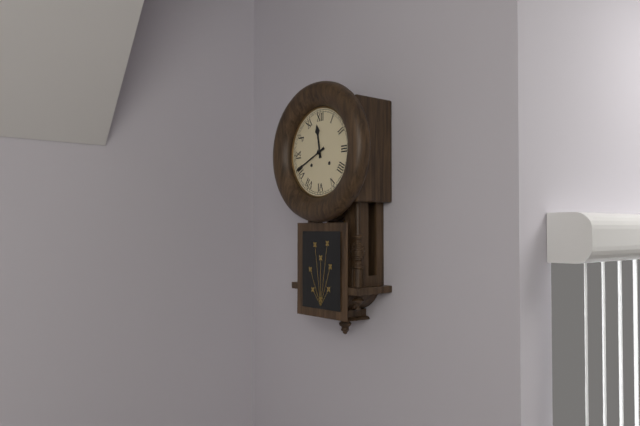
11:41
